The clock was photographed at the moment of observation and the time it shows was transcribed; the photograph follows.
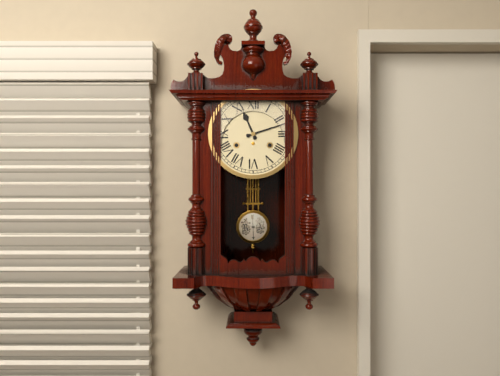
11:12
